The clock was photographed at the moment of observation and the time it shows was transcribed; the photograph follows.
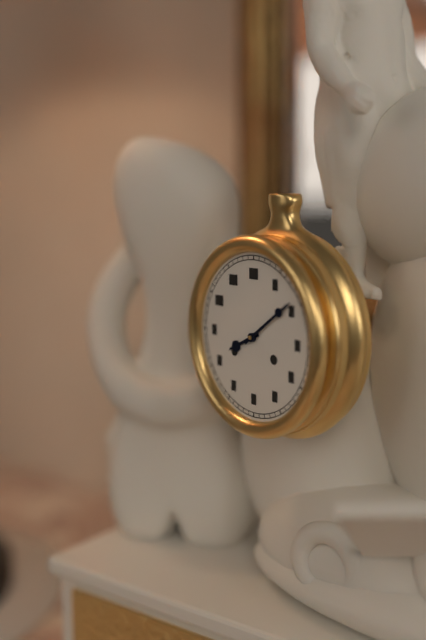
8:09
